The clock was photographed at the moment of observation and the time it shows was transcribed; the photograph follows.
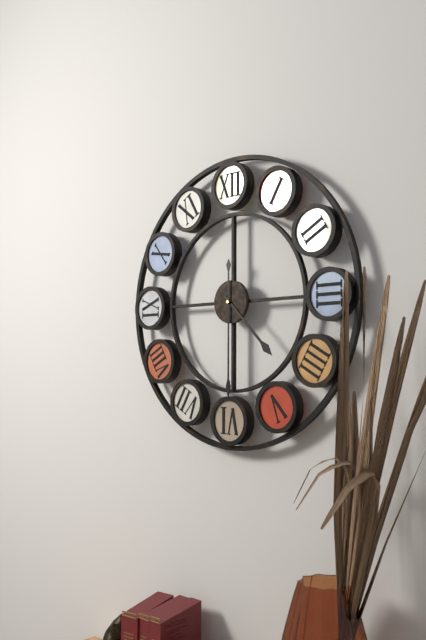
4:30
